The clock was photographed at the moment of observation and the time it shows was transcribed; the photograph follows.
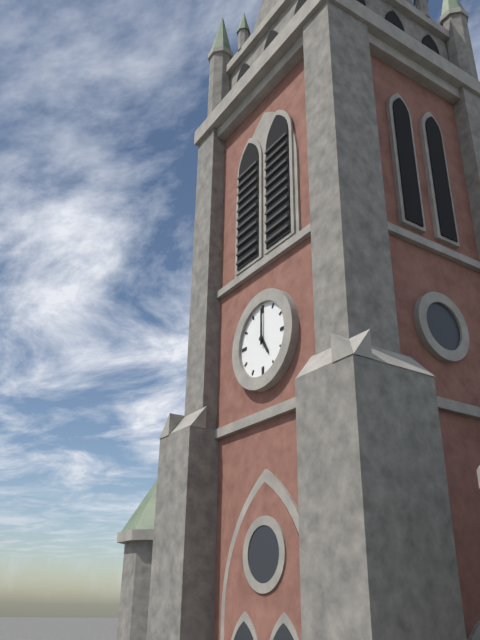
5:00
